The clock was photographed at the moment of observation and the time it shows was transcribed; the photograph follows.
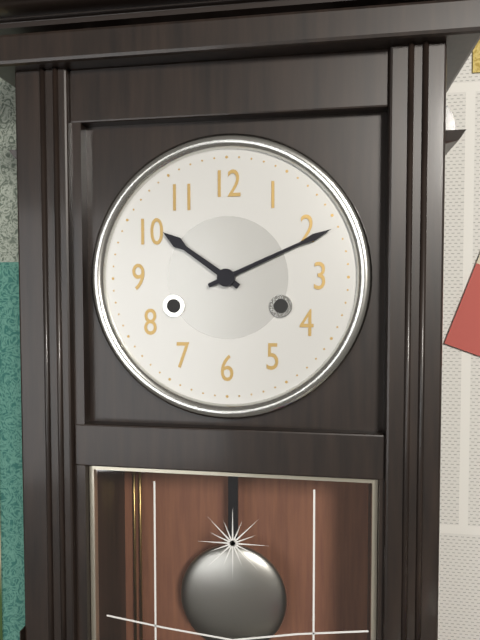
10:11
